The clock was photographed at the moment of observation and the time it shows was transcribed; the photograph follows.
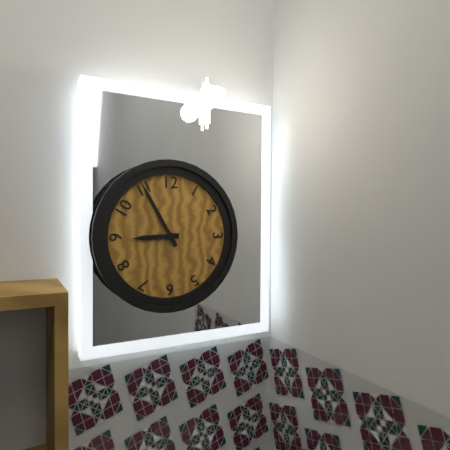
8:55
